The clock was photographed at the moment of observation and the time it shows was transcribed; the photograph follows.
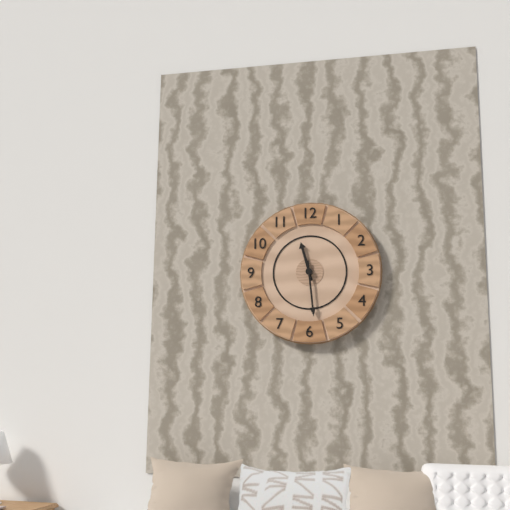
11:29
